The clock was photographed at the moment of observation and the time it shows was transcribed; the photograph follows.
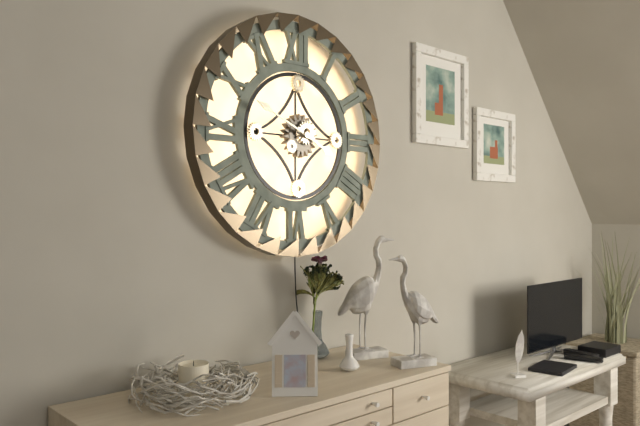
3:49
